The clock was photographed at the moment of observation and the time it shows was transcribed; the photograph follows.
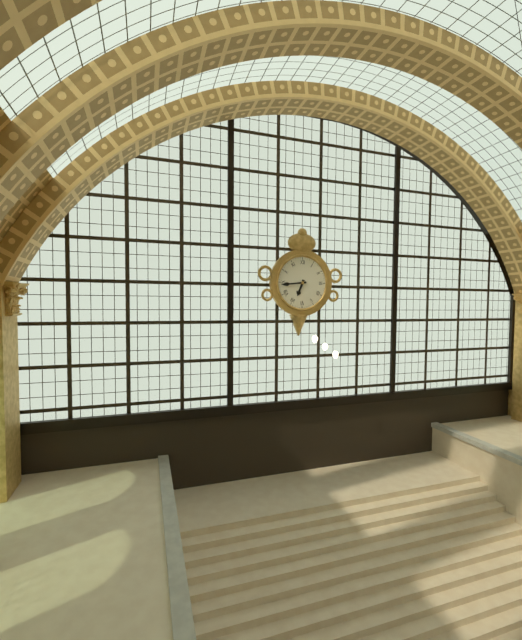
6:44
